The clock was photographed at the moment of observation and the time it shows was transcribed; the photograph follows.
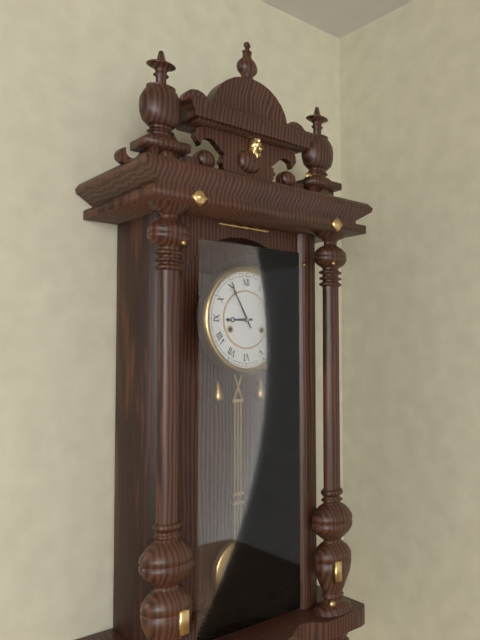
8:55
